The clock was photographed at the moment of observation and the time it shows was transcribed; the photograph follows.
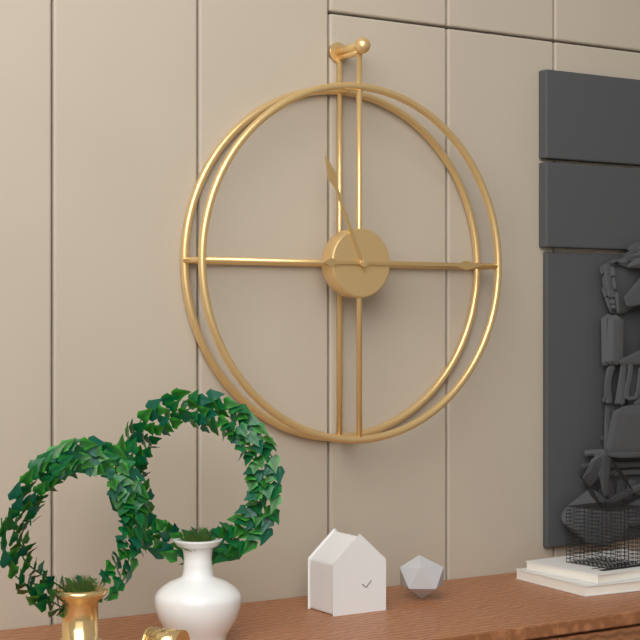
11:15
